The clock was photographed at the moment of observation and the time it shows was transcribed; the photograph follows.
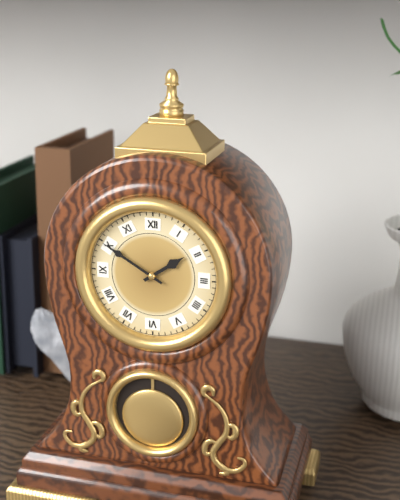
1:50
